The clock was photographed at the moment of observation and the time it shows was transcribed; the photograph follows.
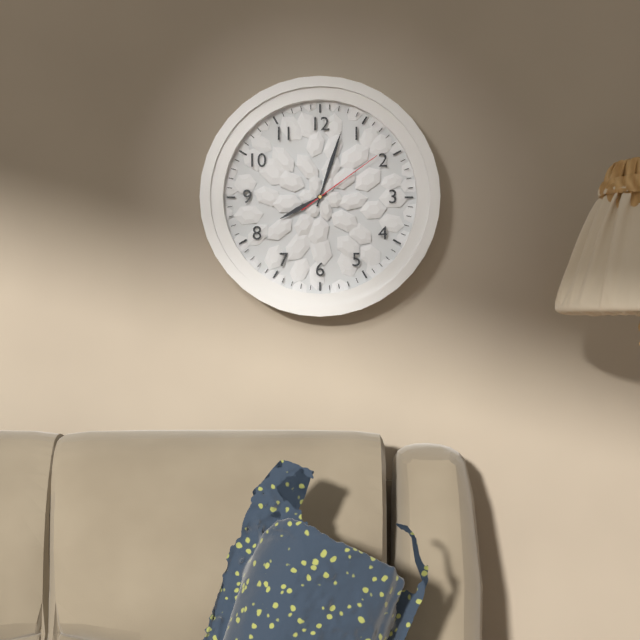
8:03:09
